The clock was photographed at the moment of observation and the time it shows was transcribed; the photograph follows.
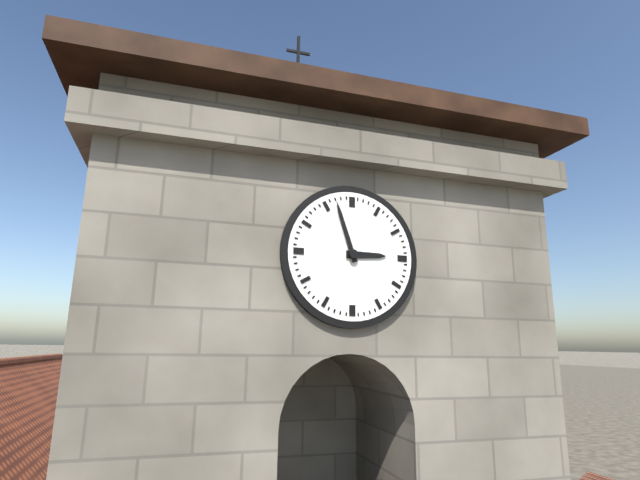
2:57
